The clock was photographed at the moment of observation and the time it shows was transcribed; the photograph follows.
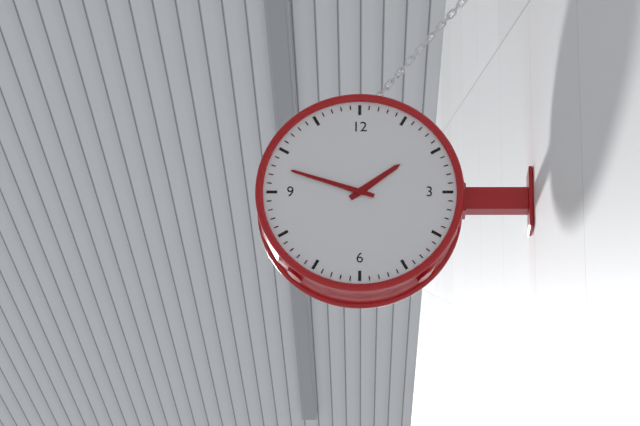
1:48
